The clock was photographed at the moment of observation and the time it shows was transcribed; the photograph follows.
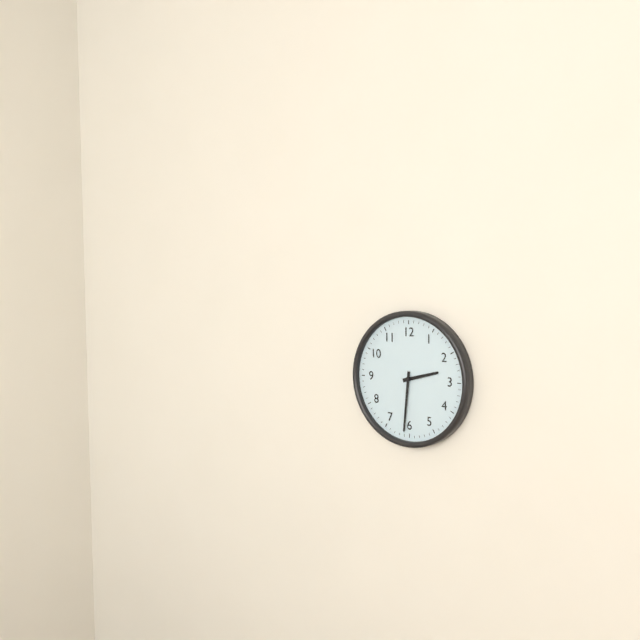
2:31
